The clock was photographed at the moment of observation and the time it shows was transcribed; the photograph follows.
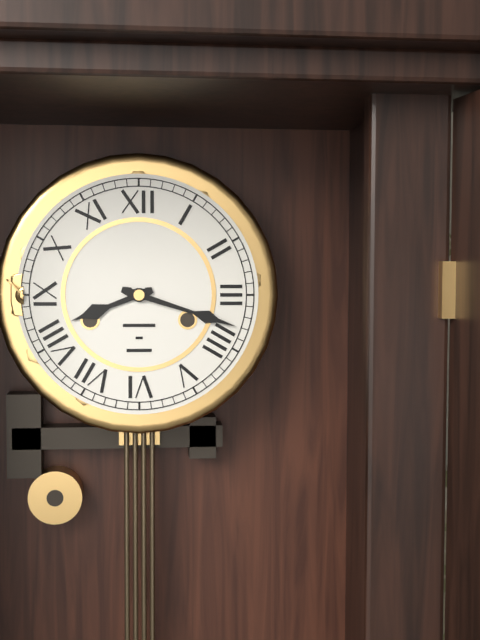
8:18
